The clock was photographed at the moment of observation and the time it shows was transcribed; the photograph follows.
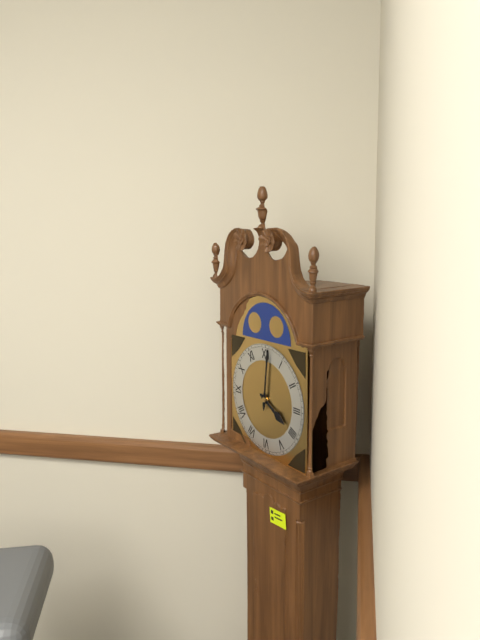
4:01
